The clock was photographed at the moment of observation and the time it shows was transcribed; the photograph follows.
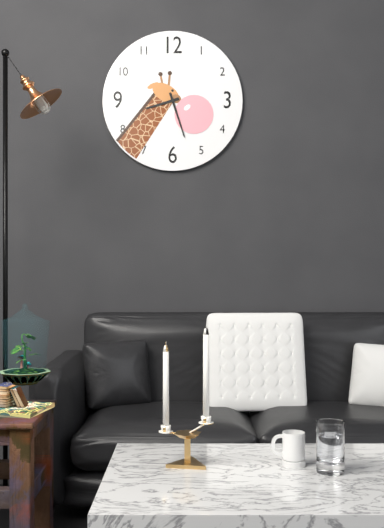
8:27
